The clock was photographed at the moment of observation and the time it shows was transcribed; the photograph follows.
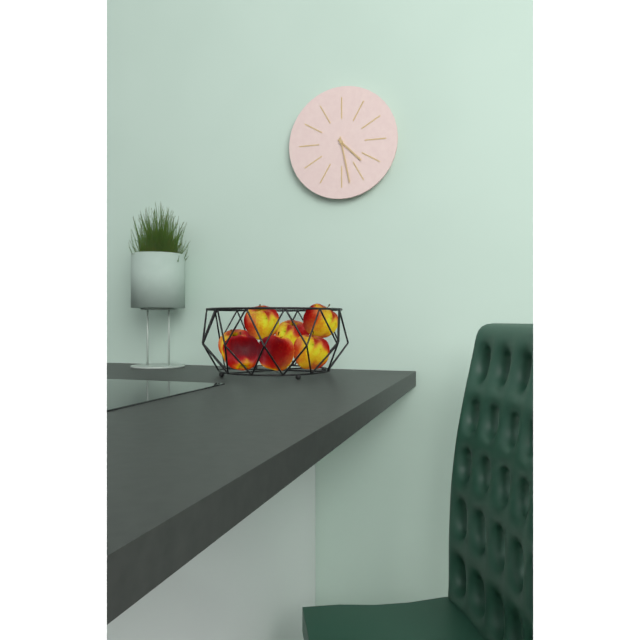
4:28
